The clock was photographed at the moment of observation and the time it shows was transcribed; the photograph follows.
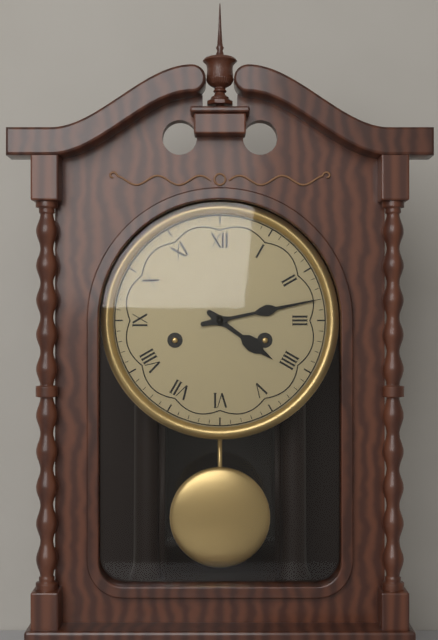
4:13
